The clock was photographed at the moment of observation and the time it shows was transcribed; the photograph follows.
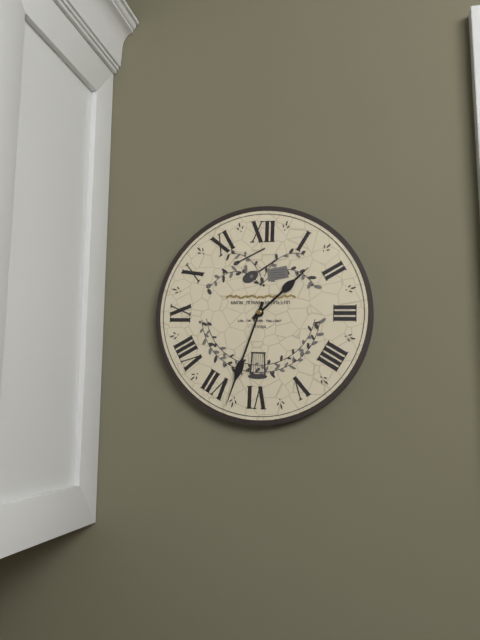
1:33
